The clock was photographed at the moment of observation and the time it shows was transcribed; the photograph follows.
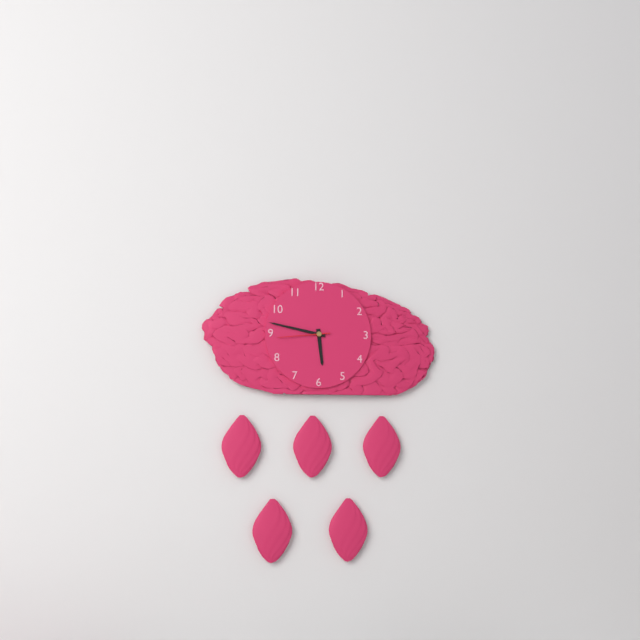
5:47:44
